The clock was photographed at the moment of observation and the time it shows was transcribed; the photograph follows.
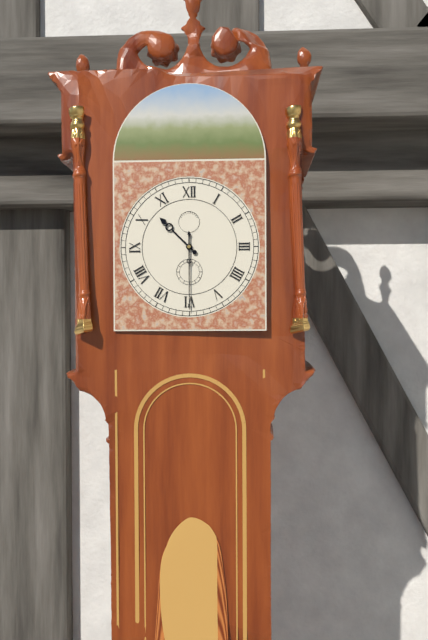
10:30
